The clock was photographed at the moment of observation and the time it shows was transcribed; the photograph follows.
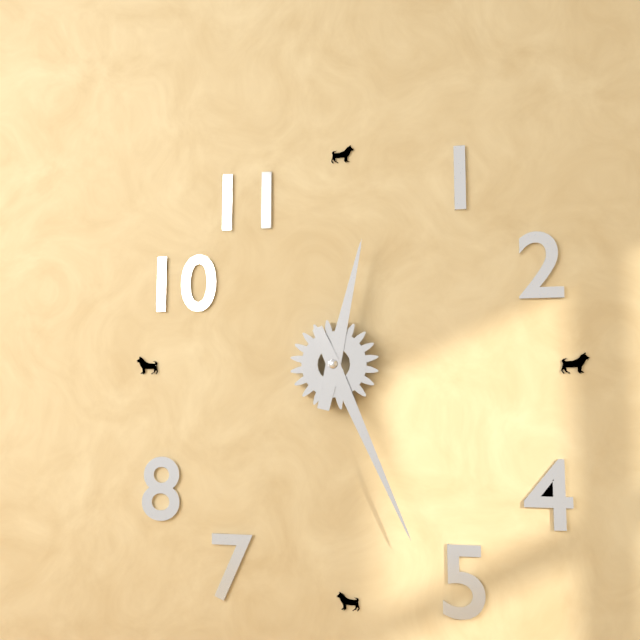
12:26
